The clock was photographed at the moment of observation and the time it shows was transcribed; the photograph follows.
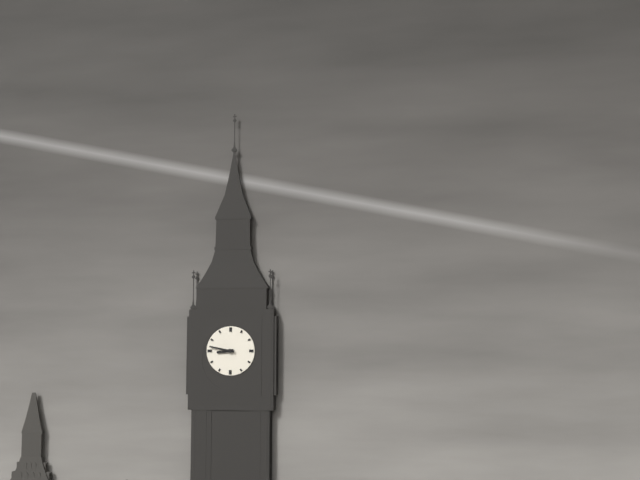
8:47
